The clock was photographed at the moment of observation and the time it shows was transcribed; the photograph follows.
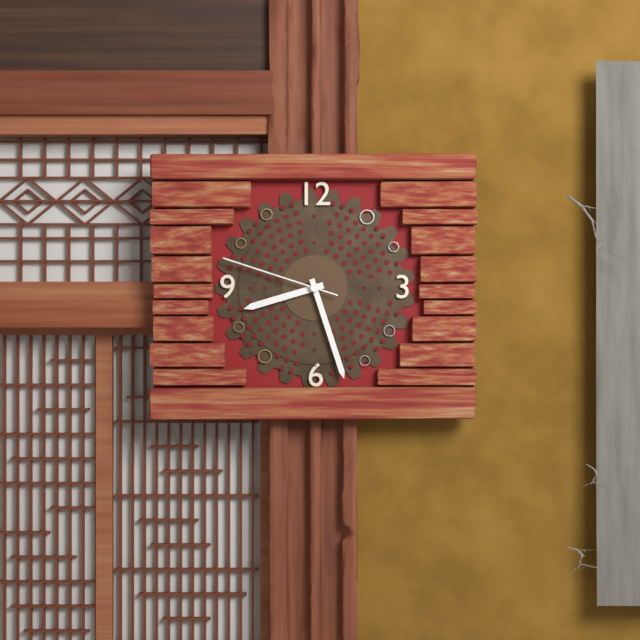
8:27:48
